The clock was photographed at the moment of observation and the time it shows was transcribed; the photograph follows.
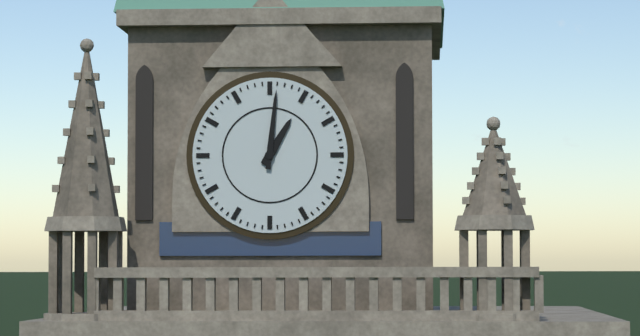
1:01
